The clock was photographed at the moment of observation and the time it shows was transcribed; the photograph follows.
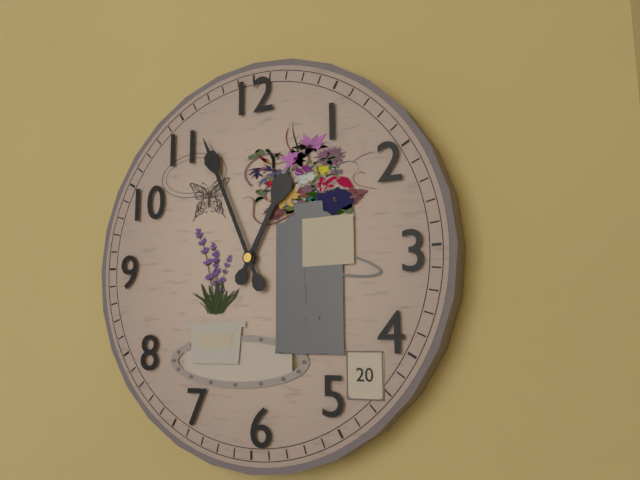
12:56
